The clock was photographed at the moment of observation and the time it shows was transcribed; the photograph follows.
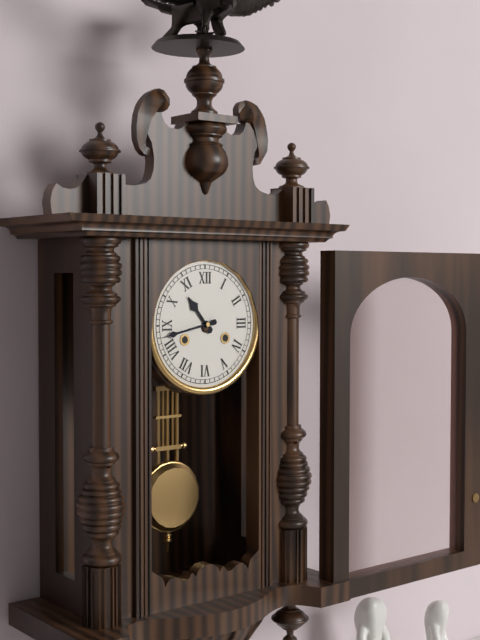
10:43
